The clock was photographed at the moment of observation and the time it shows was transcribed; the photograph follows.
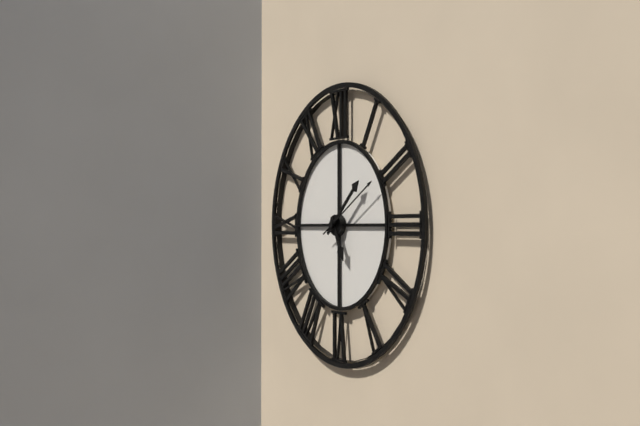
5:08:10
